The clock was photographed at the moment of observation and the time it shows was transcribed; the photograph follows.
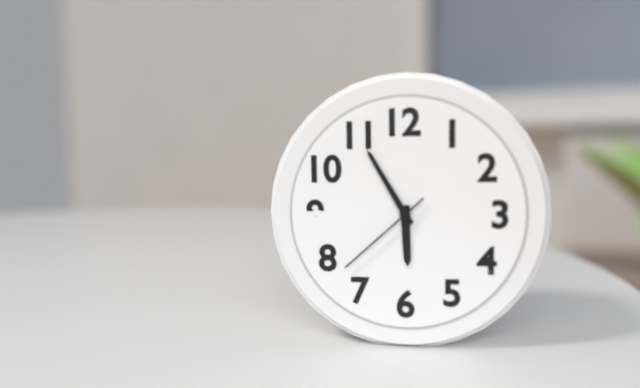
5:55:38
